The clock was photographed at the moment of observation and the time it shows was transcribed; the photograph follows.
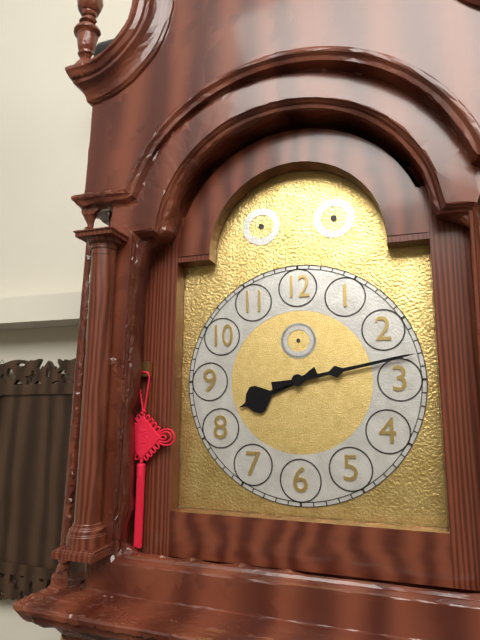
8:13
